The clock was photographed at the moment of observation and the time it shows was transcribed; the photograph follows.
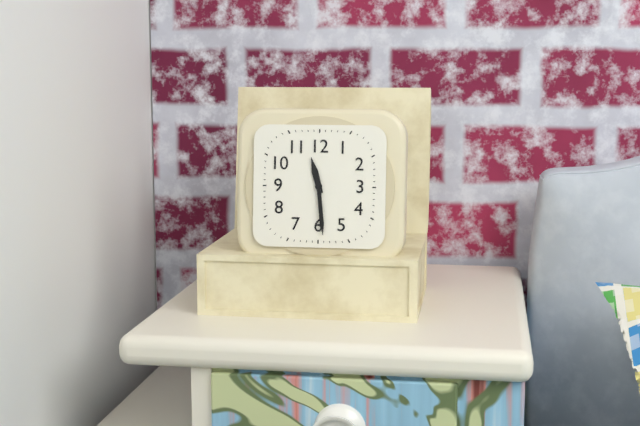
11:29
